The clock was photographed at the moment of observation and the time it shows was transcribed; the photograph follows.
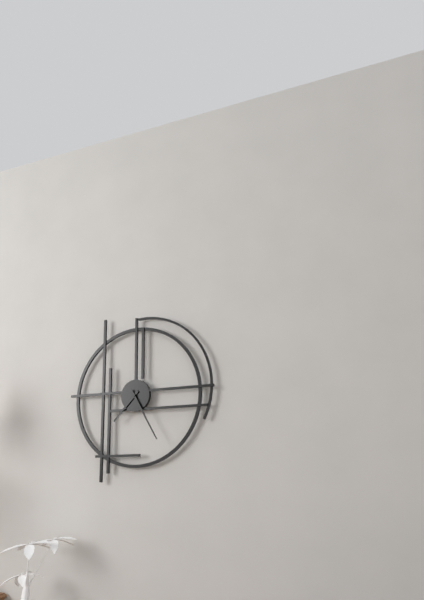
7:25
